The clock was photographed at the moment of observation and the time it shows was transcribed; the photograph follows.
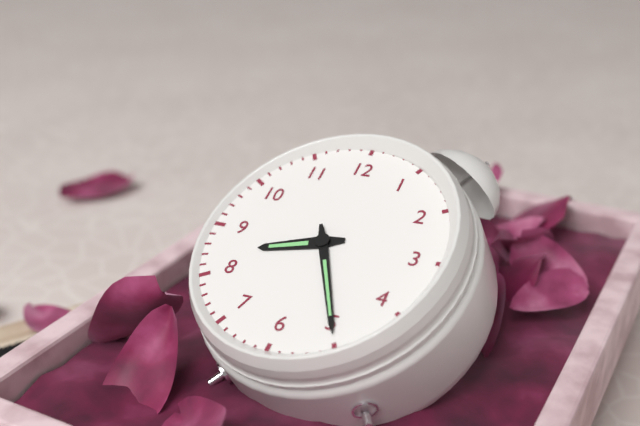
8:25
